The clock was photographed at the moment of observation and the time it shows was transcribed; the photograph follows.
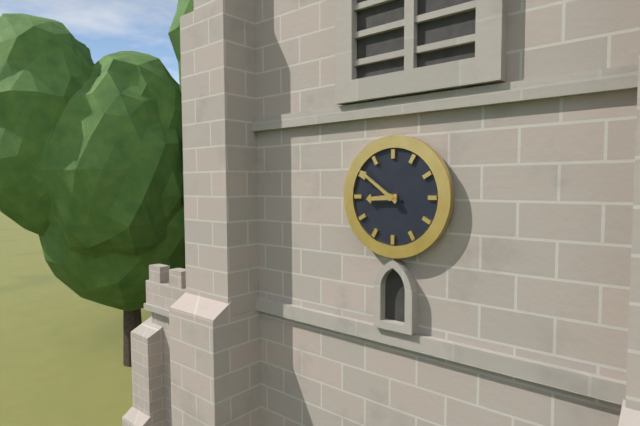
8:51
